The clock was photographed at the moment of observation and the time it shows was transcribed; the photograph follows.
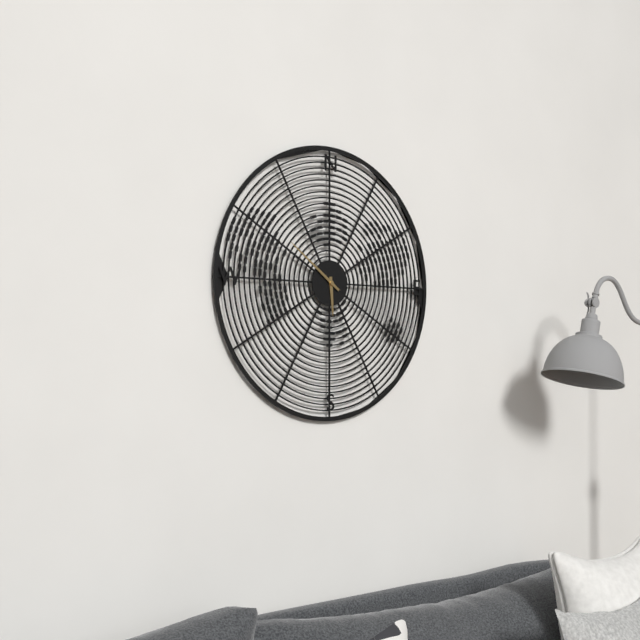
5:51
